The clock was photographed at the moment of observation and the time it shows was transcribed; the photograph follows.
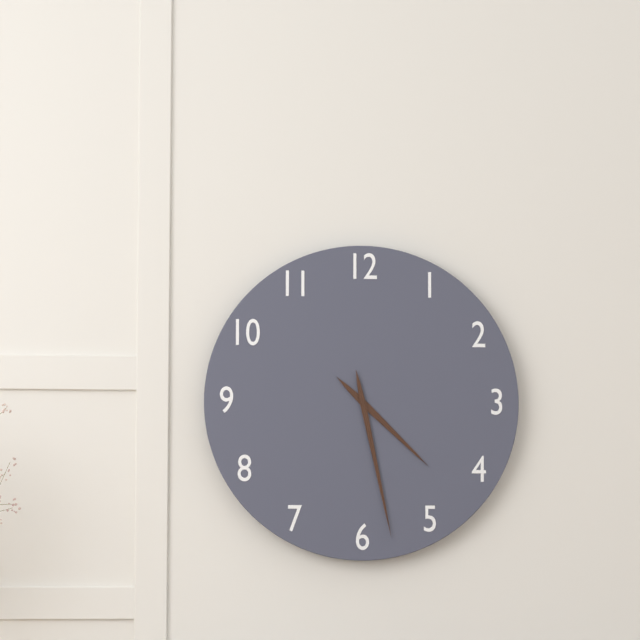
4:28
